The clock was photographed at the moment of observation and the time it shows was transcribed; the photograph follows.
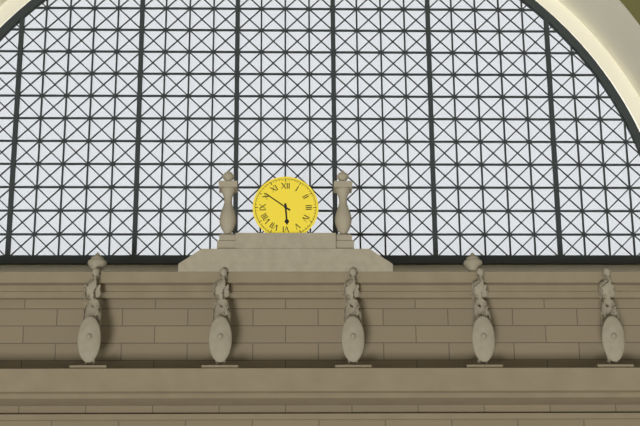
5:51
